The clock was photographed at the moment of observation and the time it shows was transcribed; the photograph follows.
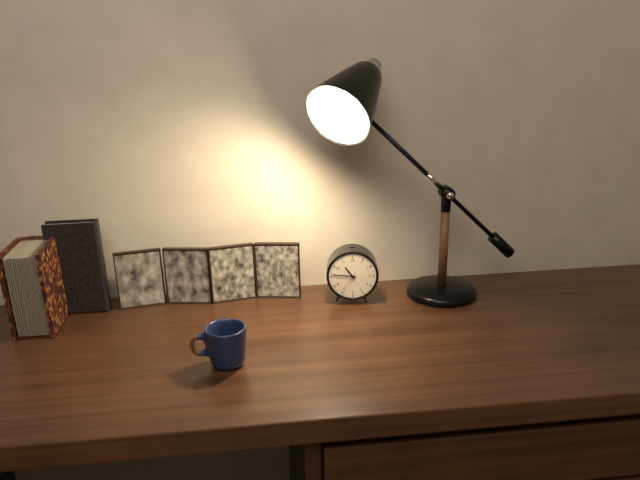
10:46
